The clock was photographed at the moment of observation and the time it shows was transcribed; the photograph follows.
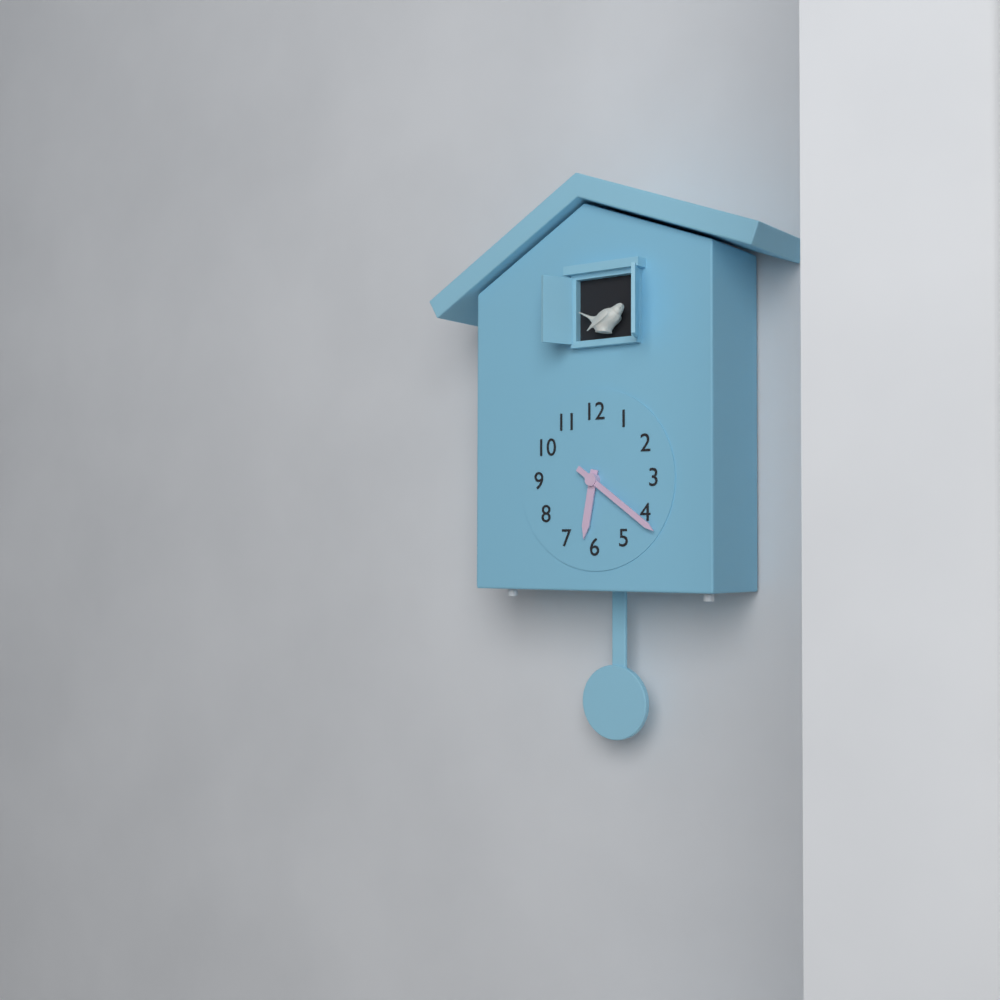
6:21
